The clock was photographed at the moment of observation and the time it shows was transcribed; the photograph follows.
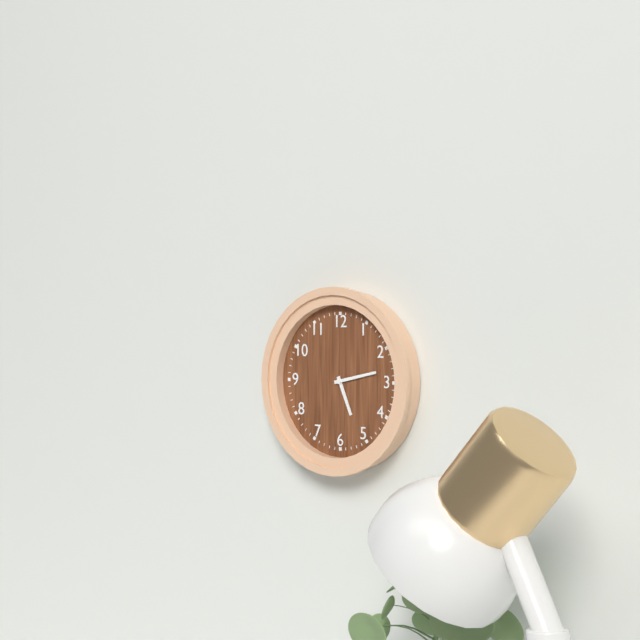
5:13
